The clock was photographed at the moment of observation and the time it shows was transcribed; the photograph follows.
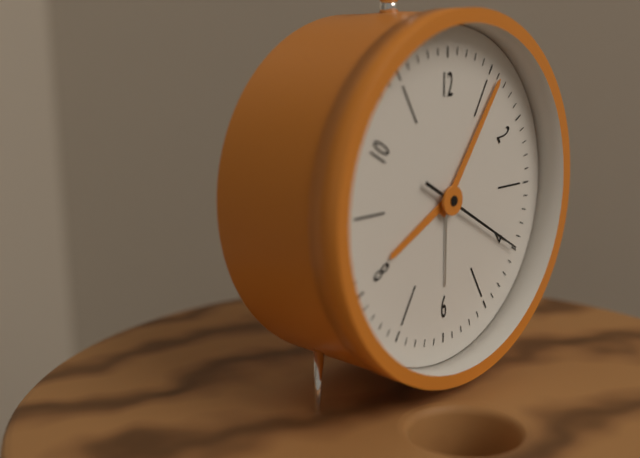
8:06:20
